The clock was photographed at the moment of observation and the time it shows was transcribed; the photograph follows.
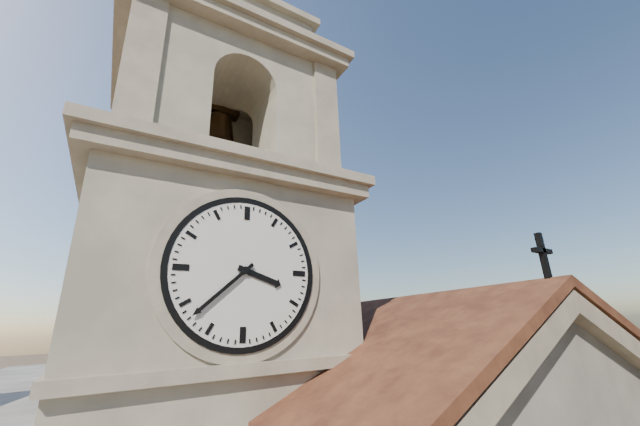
3:38
